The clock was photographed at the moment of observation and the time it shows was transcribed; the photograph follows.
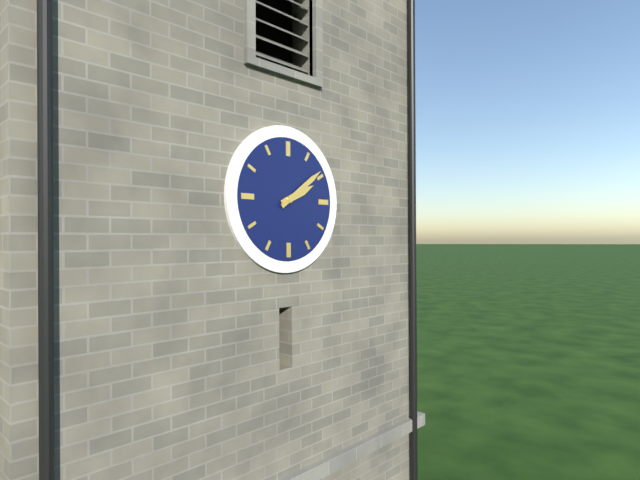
2:09
